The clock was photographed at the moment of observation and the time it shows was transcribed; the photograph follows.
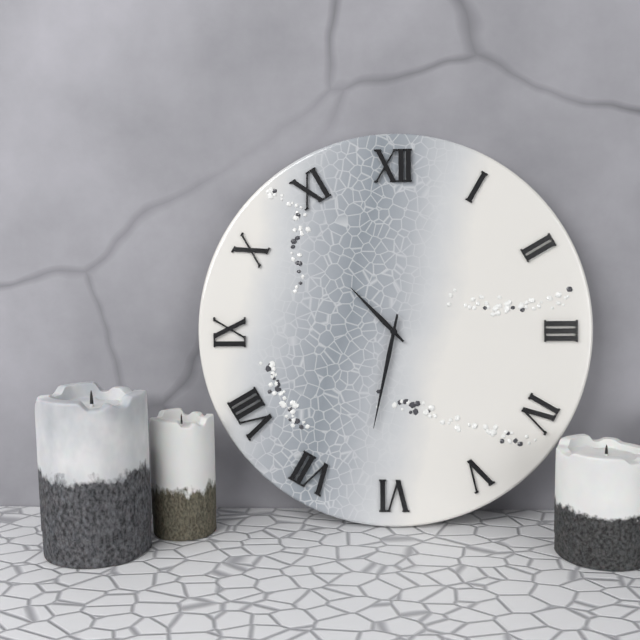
10:32
